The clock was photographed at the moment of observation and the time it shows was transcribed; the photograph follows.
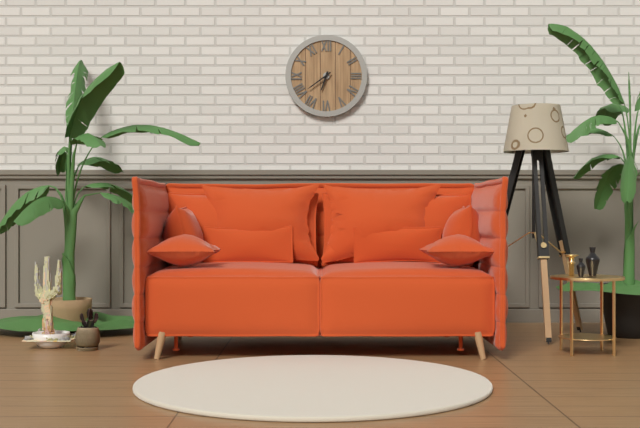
6:39
